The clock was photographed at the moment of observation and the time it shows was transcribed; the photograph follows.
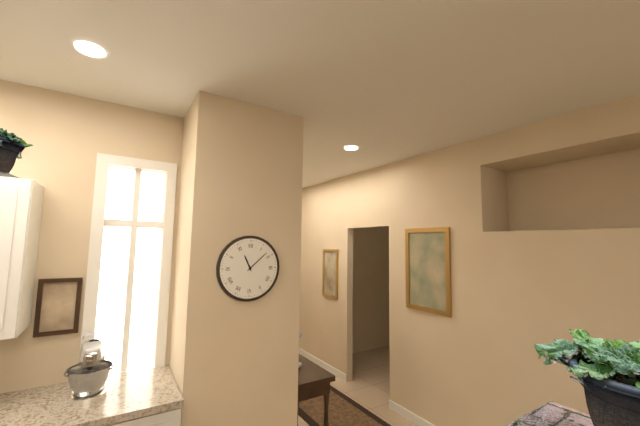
11:08
